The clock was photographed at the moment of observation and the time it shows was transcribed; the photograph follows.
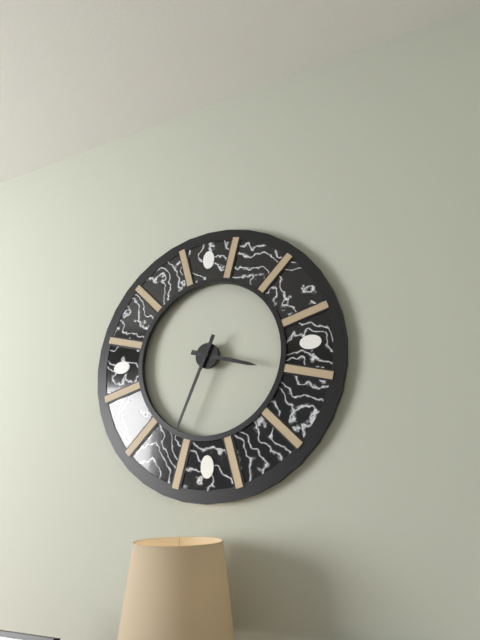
3:34
